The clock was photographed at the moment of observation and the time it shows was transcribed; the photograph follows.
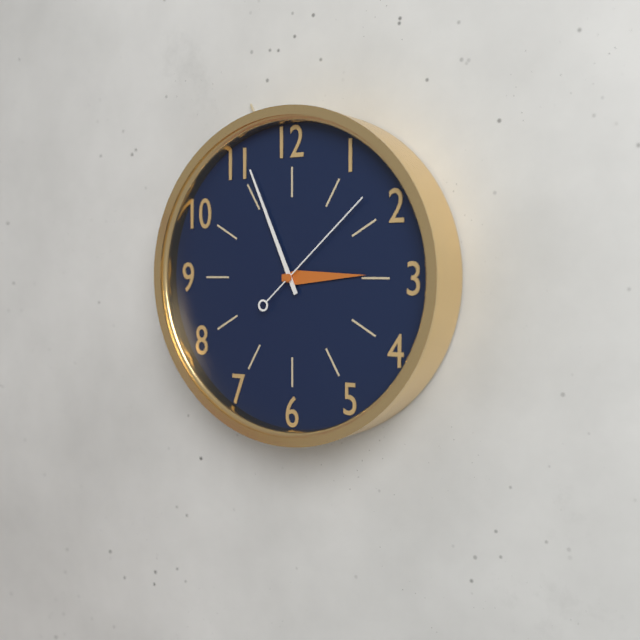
2:56:08
